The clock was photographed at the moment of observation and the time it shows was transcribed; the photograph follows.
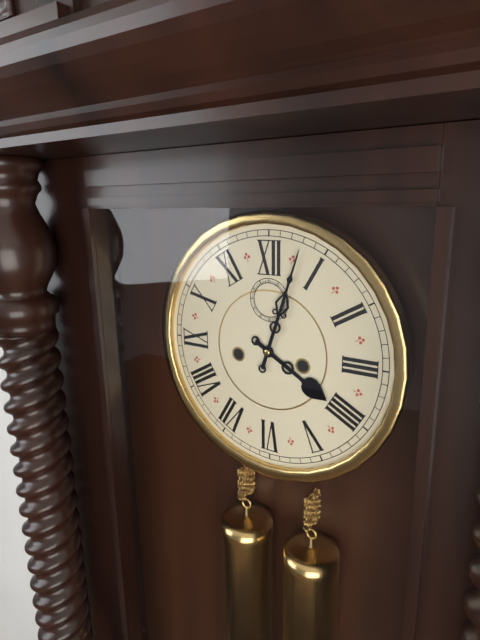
4:03
